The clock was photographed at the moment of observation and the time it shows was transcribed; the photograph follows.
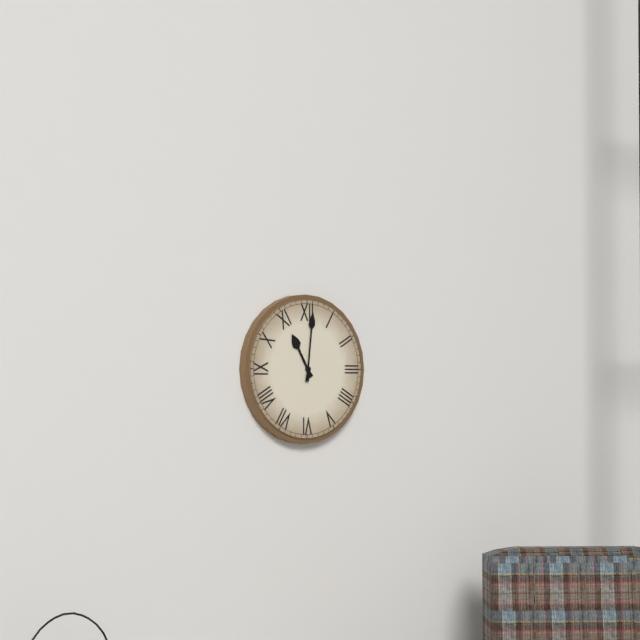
11:01
